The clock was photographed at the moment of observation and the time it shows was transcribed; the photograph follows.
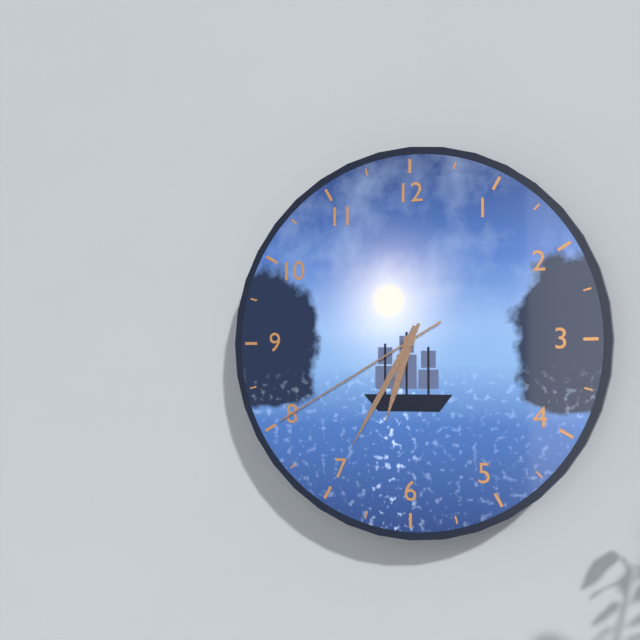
6:35:40
